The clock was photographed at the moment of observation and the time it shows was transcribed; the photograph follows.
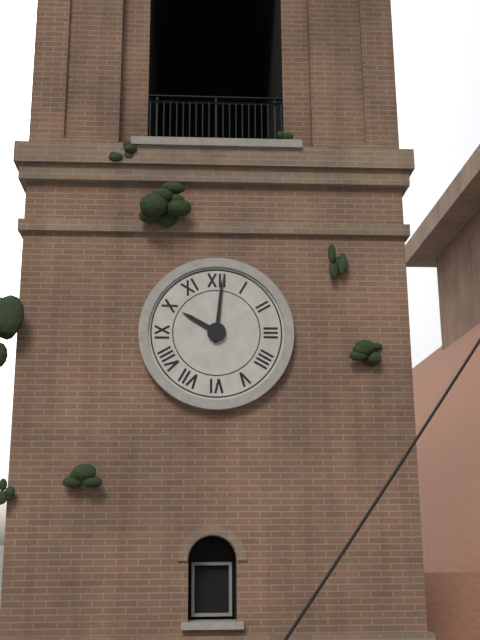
10:01
